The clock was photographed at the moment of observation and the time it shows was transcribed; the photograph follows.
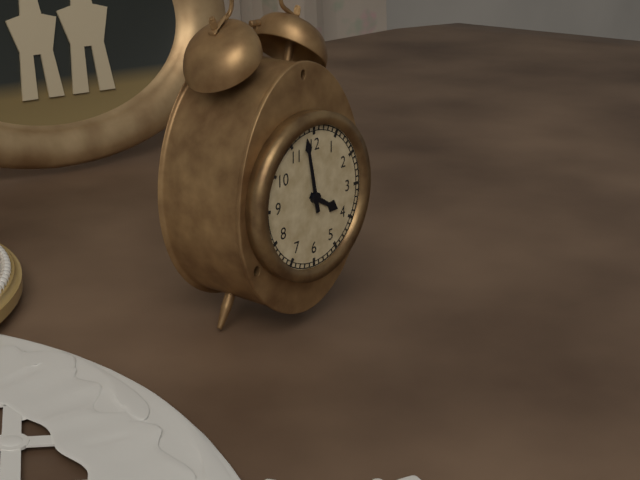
3:58
